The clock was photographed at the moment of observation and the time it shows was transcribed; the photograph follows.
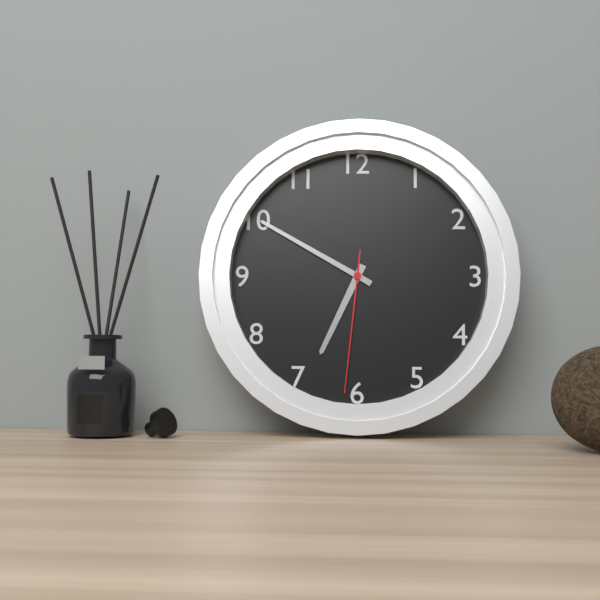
6:50:31
